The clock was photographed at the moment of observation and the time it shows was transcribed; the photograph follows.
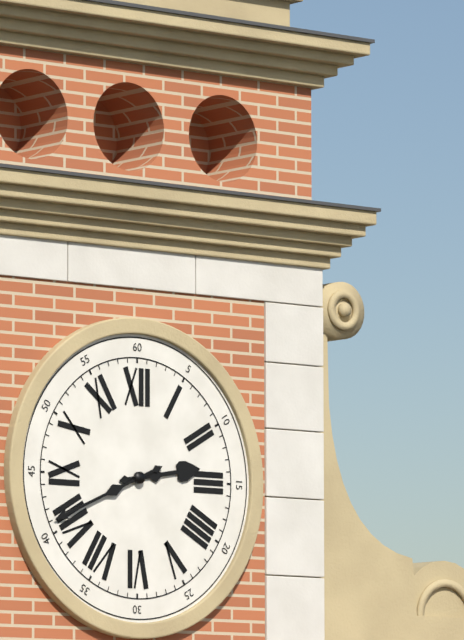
2:41
